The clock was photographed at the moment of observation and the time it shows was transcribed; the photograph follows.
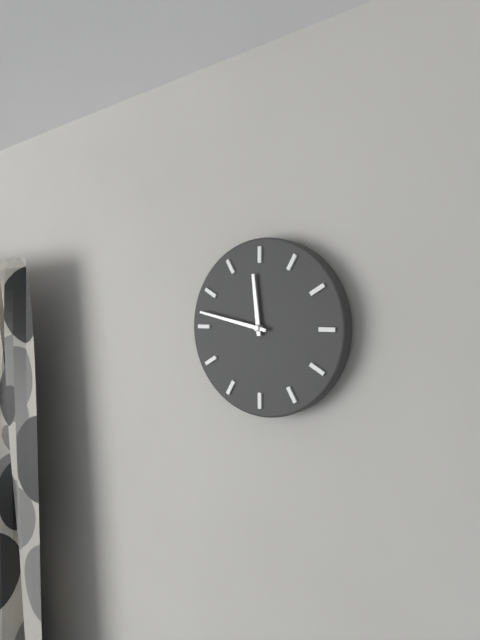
11:47
